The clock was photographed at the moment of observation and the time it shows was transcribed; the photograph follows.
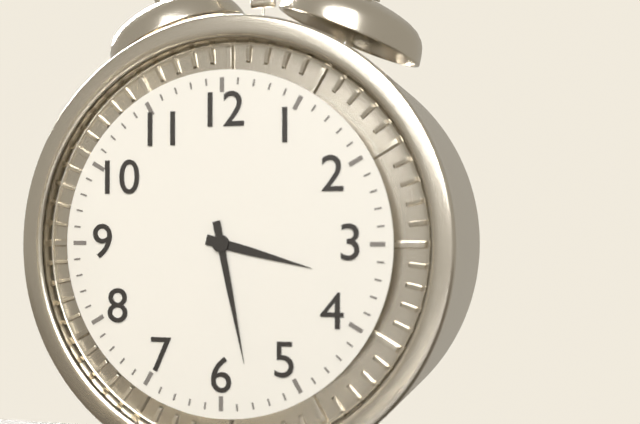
3:28
